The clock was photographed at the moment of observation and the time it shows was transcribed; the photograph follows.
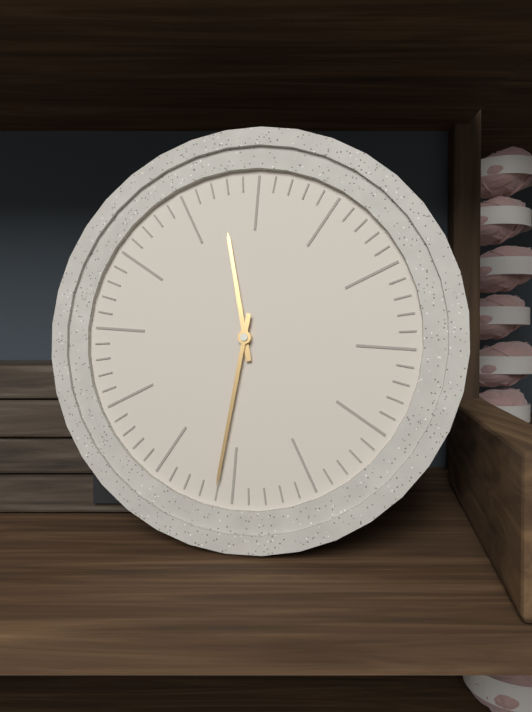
11:31
